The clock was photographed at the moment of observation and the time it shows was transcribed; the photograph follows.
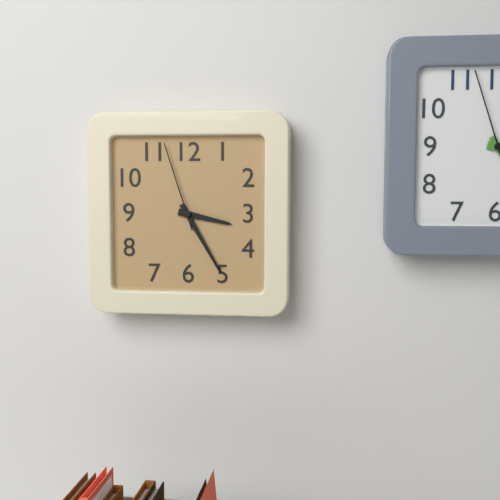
3:25:57
